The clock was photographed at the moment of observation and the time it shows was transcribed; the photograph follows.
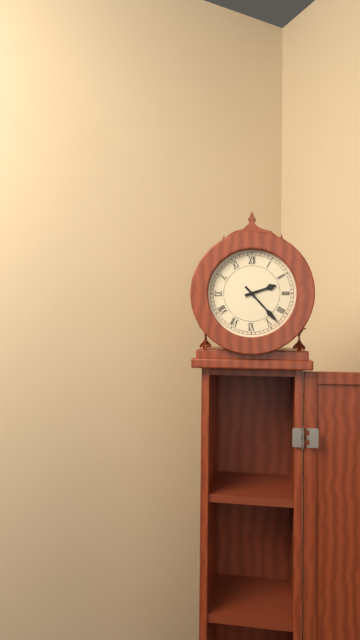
2:23
